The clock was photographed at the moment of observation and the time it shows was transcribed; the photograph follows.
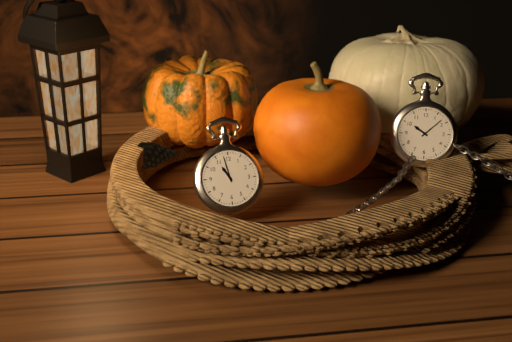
10:58
